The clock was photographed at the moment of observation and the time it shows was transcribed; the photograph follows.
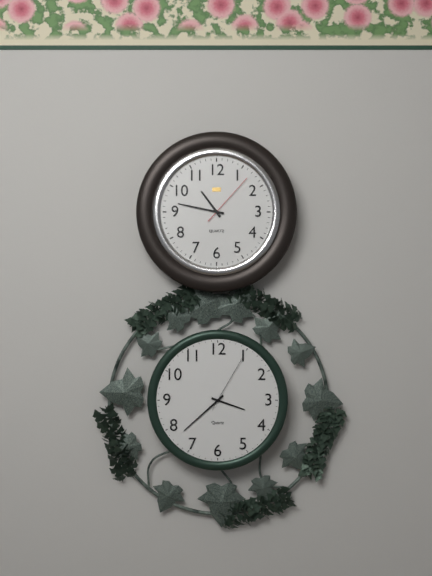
10:47:07
